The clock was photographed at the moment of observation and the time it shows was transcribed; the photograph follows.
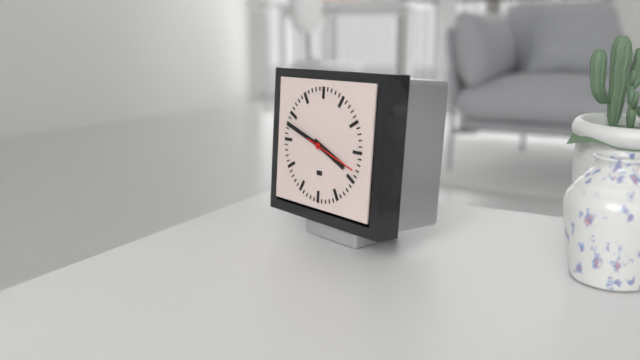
3:48:18
